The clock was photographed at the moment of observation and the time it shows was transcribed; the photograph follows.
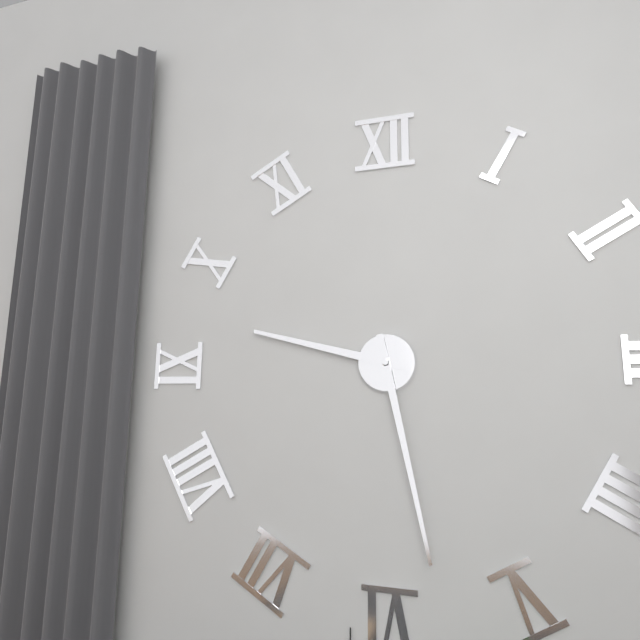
9:28
